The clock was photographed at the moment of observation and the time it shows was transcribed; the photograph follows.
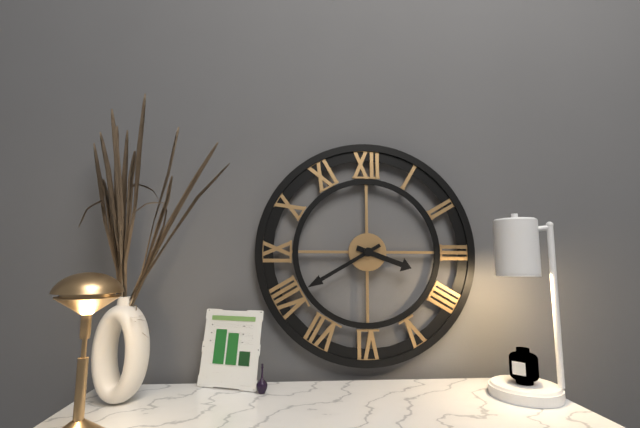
3:40
